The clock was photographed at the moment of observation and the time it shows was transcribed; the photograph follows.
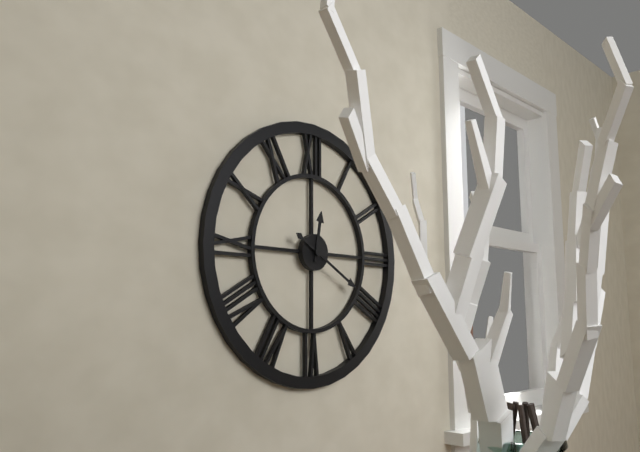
12:20
